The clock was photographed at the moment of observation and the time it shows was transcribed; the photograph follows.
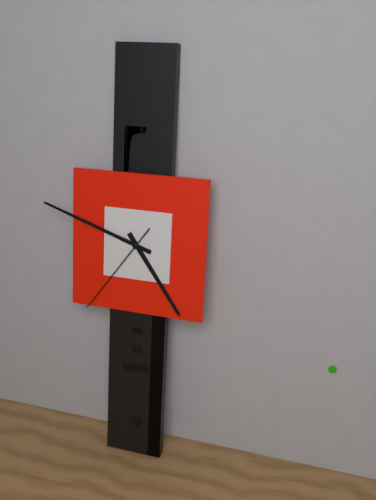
4:48:36
